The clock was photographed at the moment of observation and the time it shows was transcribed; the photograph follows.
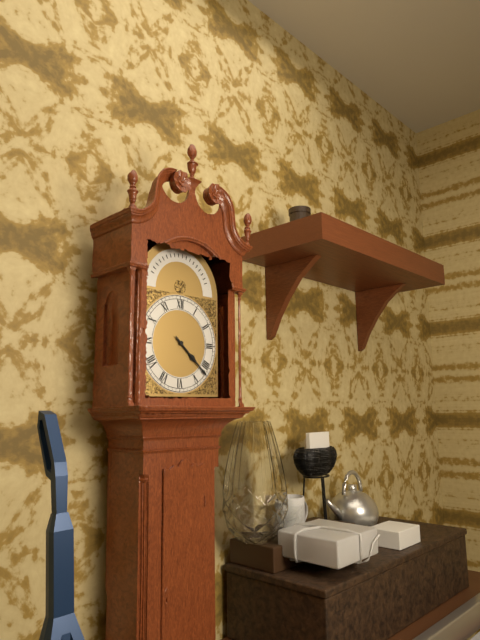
4:22
